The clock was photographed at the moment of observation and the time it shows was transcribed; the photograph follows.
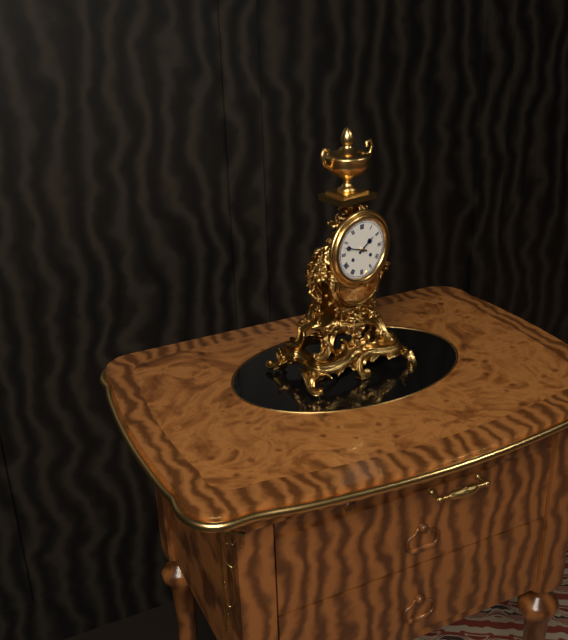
1:48
